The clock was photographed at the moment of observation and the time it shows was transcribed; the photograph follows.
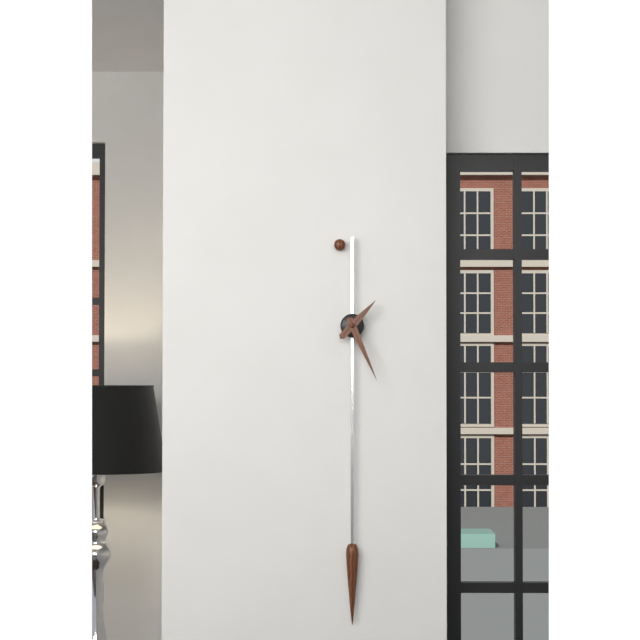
1:26
